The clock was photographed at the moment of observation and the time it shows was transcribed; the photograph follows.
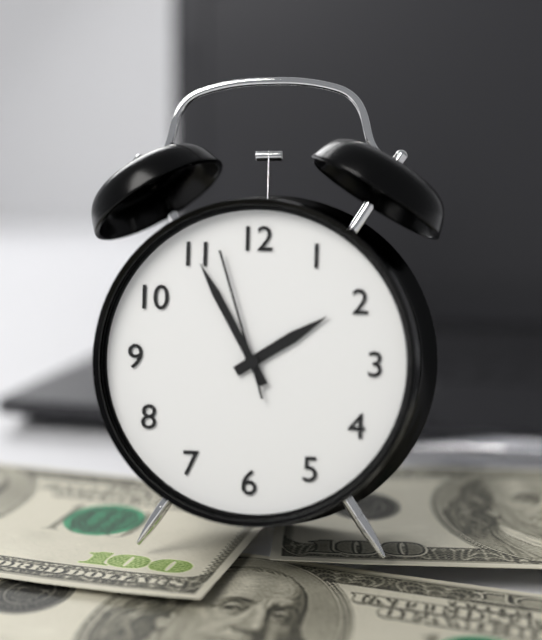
1:55:57
